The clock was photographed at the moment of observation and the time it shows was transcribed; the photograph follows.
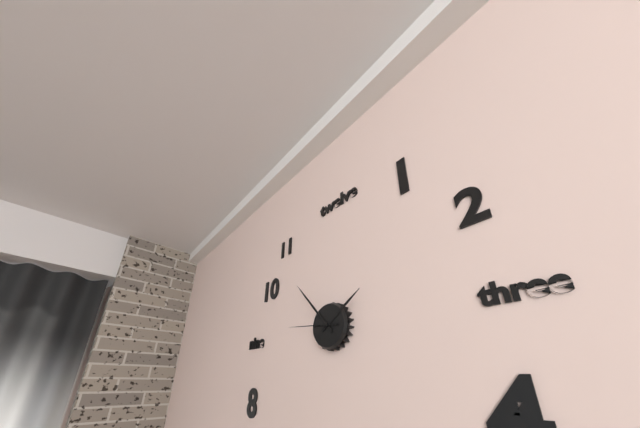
1:53
